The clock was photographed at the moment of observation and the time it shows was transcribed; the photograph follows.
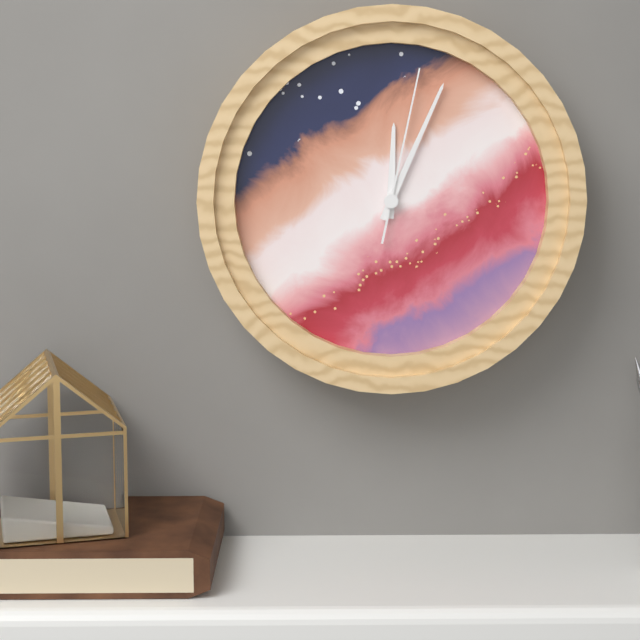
12:04:02
